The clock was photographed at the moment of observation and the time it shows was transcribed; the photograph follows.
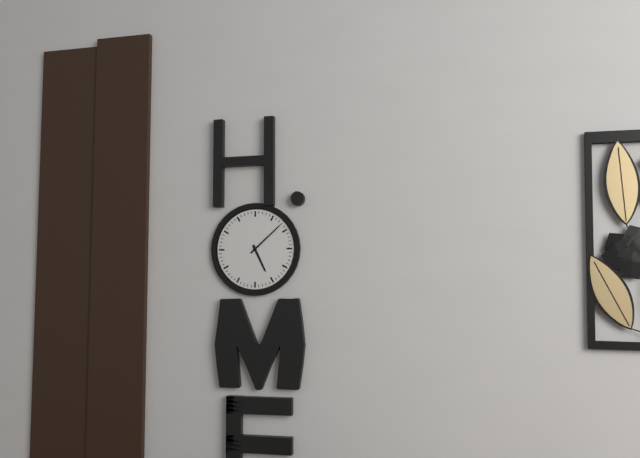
5:08
